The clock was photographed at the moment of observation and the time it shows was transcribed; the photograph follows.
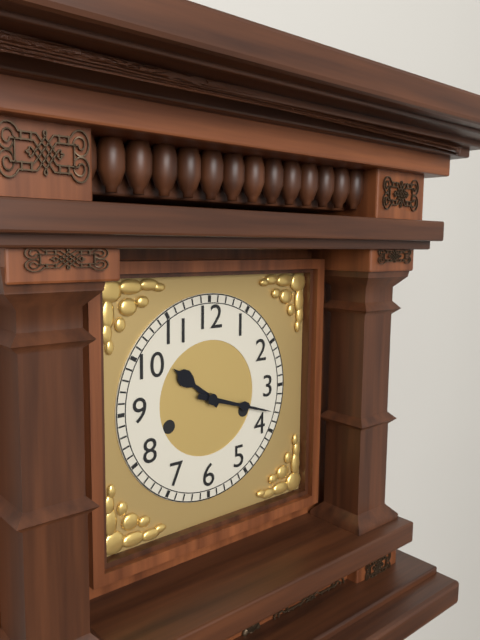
10:18
